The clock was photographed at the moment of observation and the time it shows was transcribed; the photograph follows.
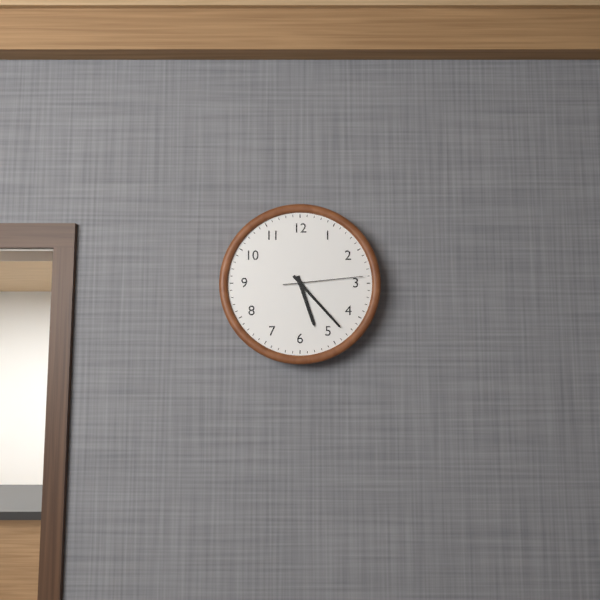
5:23:14
